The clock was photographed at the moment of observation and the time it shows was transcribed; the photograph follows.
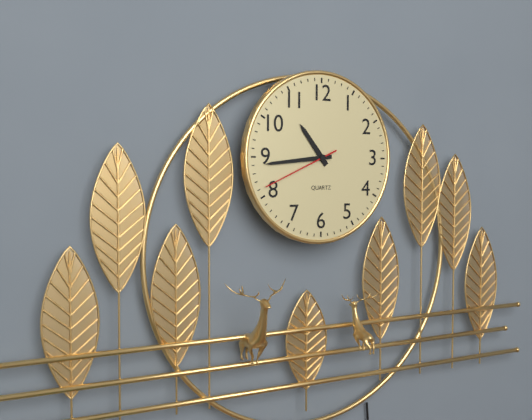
10:44:41
